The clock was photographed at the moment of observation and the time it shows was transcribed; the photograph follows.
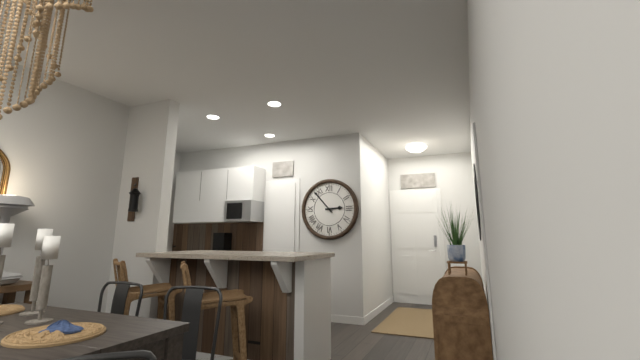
2:53
